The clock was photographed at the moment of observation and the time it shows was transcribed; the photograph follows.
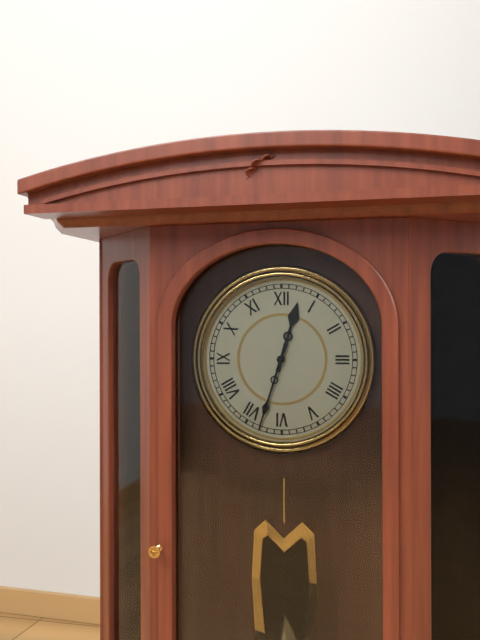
12:33
